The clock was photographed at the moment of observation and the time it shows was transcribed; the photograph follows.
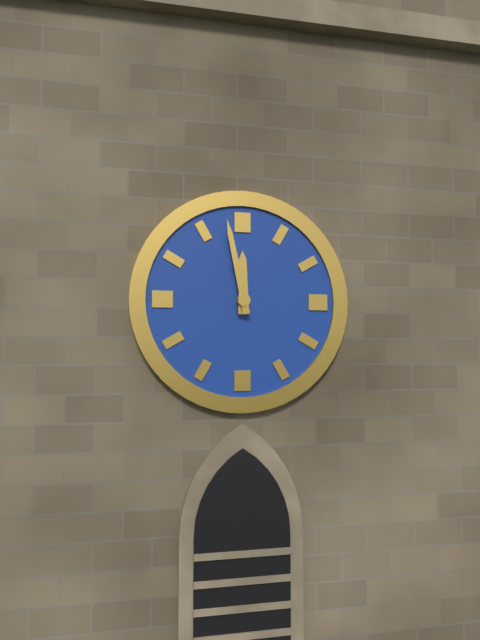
11:58
